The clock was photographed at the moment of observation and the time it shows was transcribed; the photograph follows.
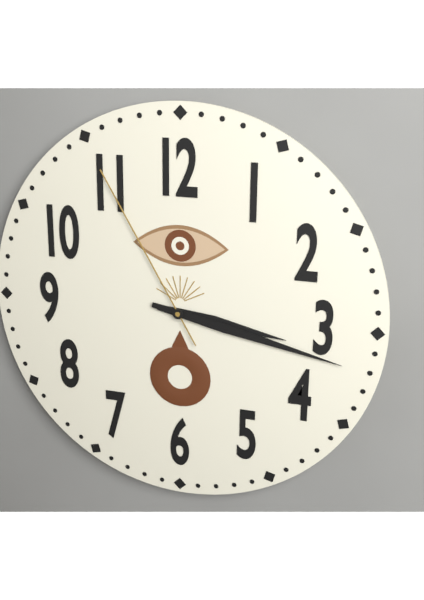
3:17:55
